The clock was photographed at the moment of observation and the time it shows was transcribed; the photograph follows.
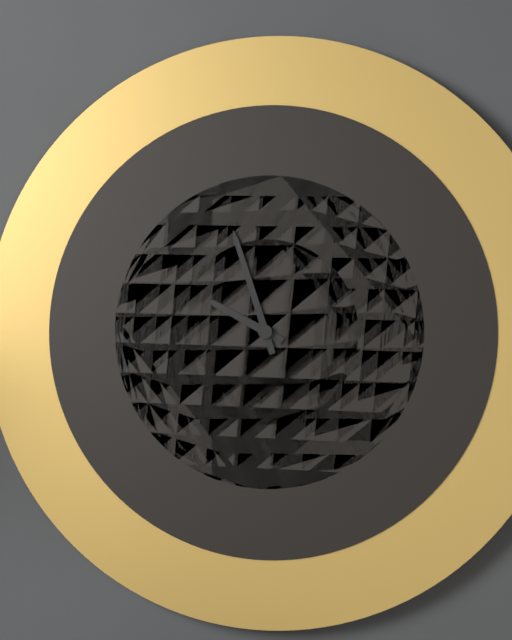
9:57
